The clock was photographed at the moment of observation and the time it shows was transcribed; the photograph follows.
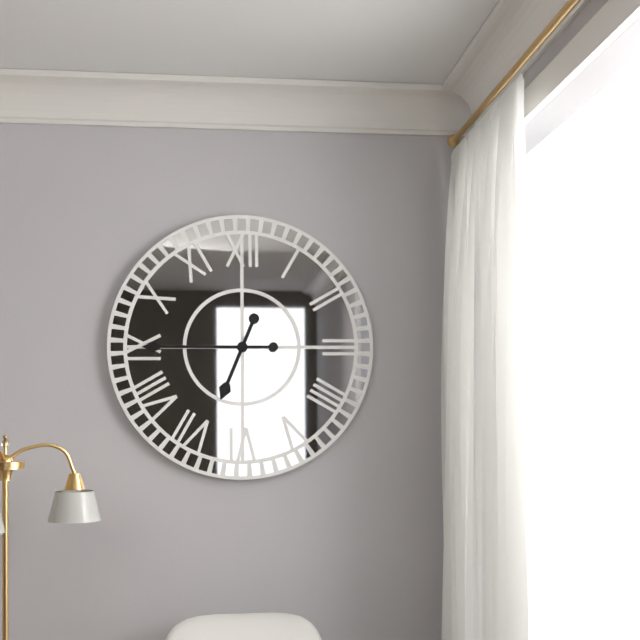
6:45
